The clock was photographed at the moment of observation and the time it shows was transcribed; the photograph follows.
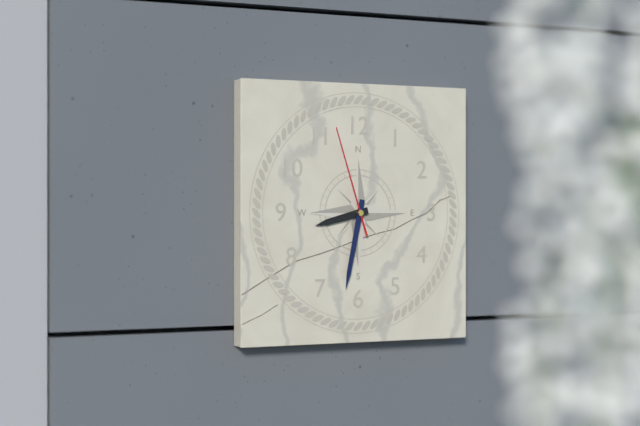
8:32:57
